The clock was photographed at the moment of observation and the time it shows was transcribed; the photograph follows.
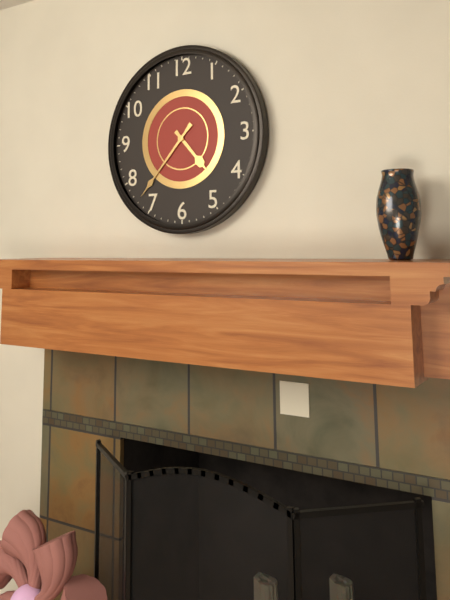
4:37
